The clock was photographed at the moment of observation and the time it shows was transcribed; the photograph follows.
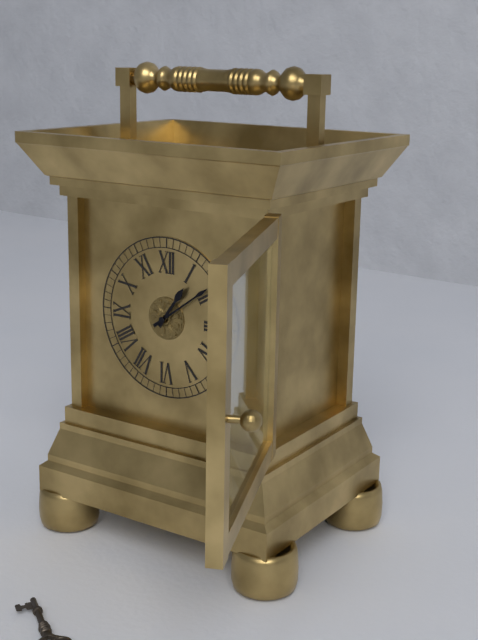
1:09
